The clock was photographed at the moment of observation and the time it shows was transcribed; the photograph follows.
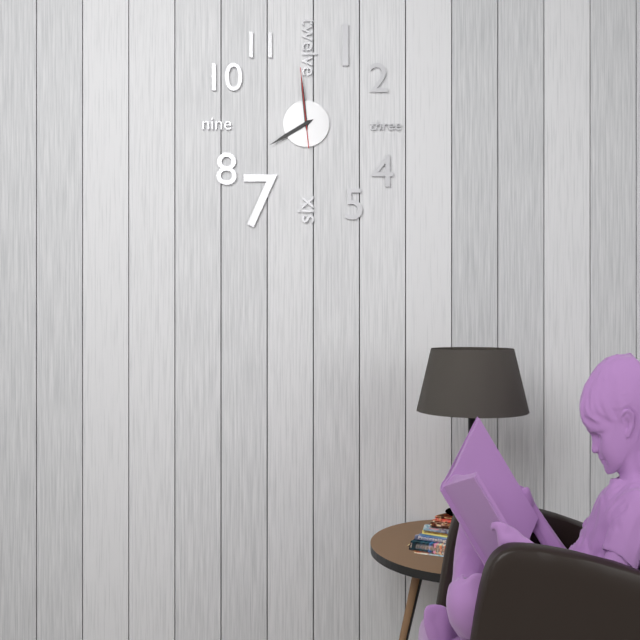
7:59:59
